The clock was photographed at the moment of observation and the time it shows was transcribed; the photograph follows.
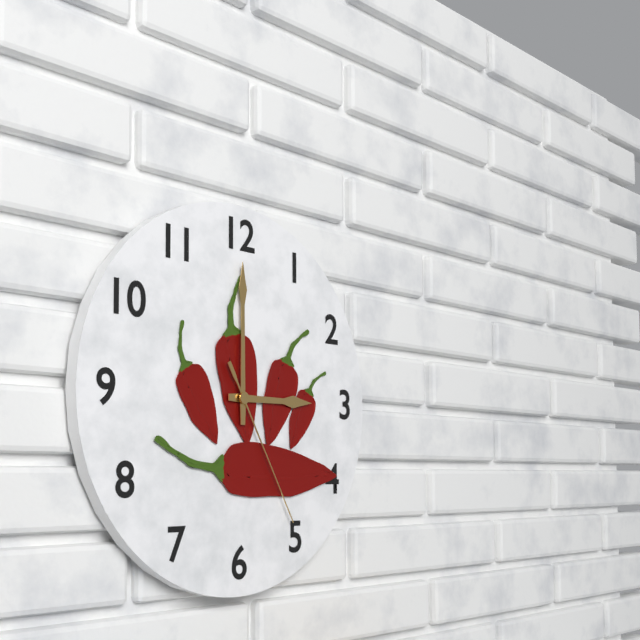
3:00:25
